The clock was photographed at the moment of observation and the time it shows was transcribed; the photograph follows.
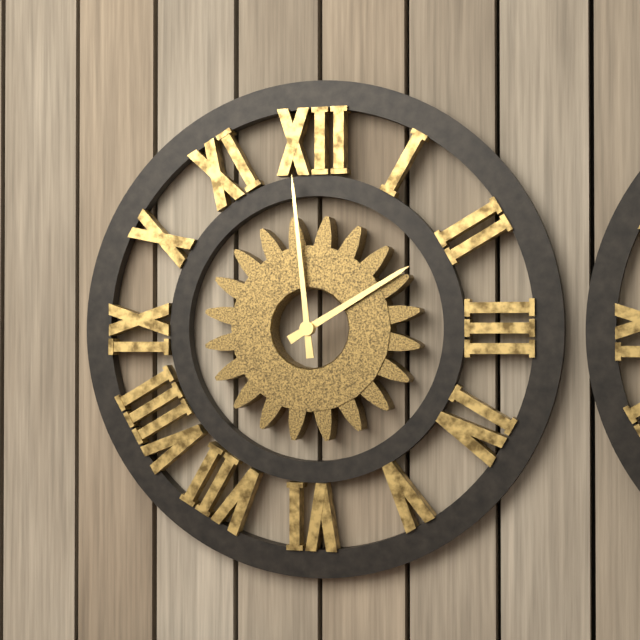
1:59
